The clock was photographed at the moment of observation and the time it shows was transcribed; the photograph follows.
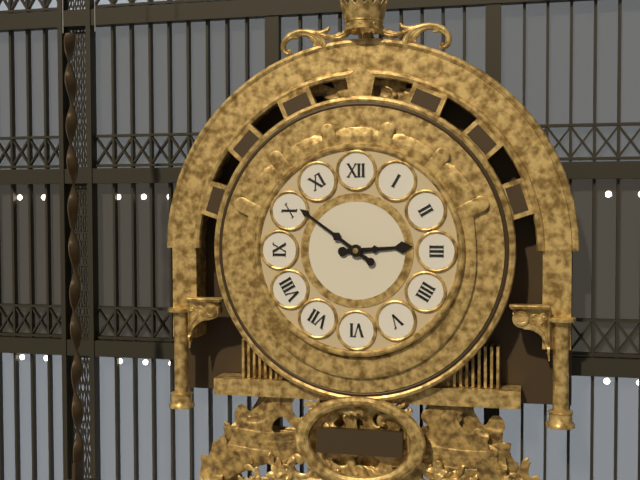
2:51
